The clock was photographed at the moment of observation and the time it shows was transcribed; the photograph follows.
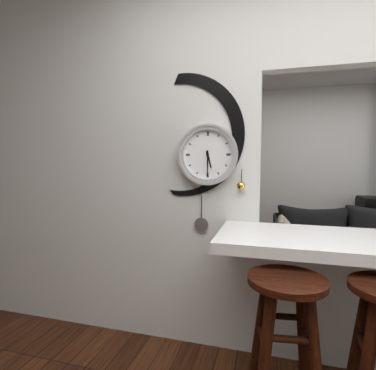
5:30
